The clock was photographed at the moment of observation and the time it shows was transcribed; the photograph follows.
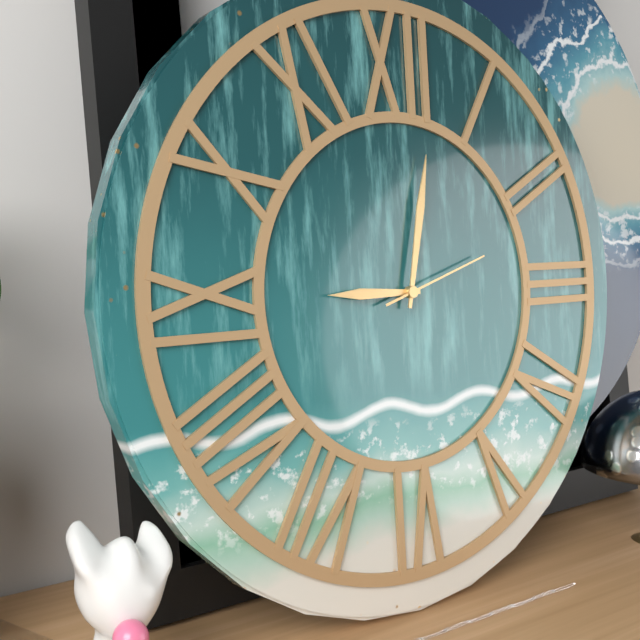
9:02:12
